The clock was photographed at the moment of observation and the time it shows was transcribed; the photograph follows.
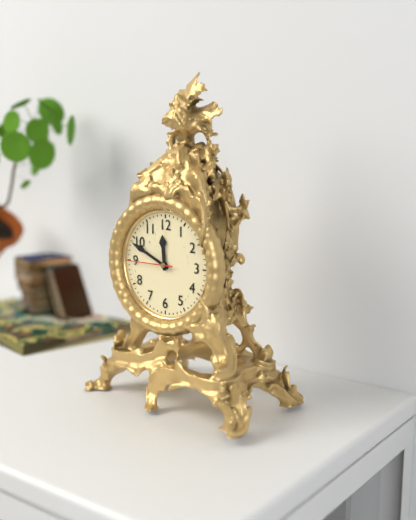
11:49
